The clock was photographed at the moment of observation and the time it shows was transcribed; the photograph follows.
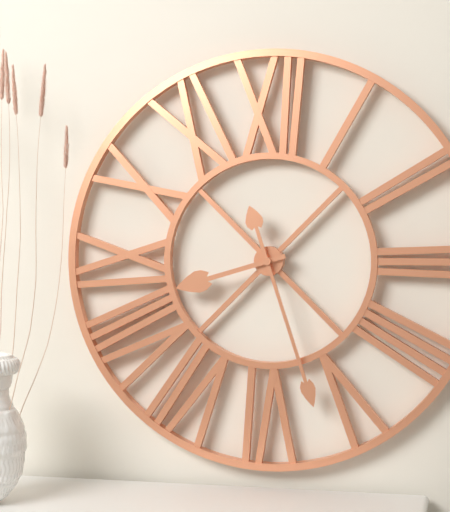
8:27
